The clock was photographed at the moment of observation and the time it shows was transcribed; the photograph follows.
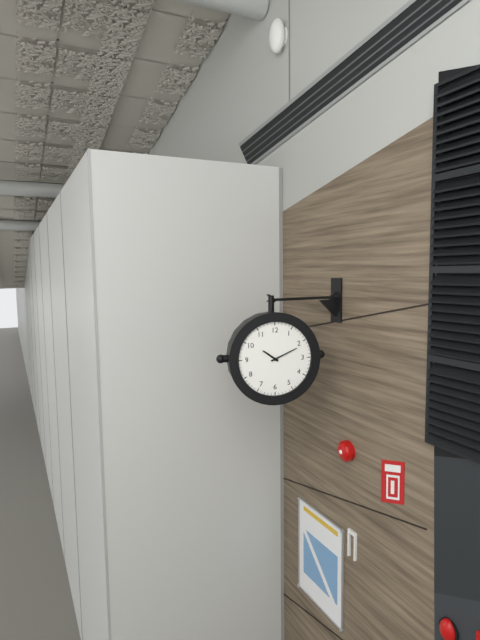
10:11
